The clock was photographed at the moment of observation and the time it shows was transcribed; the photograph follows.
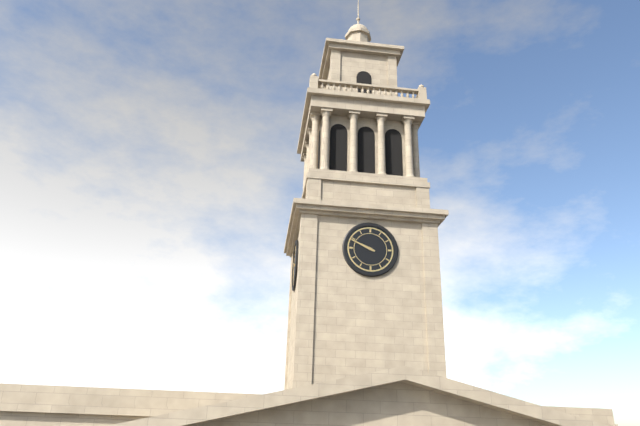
9:49
